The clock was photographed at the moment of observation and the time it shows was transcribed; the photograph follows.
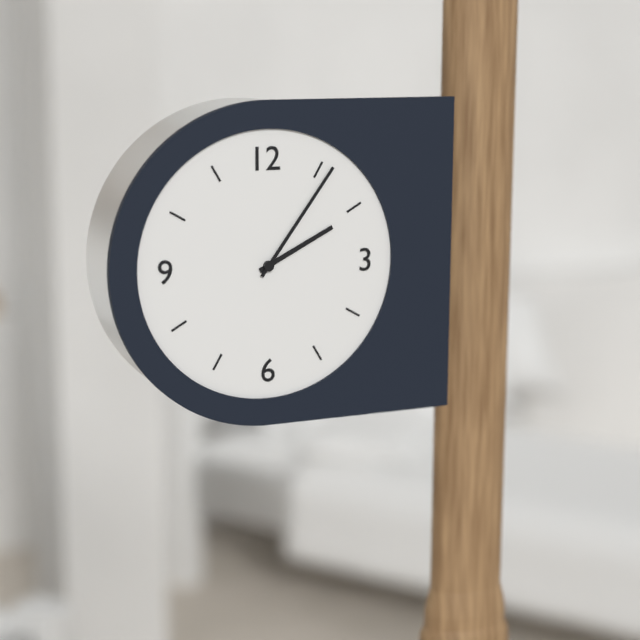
2:06
